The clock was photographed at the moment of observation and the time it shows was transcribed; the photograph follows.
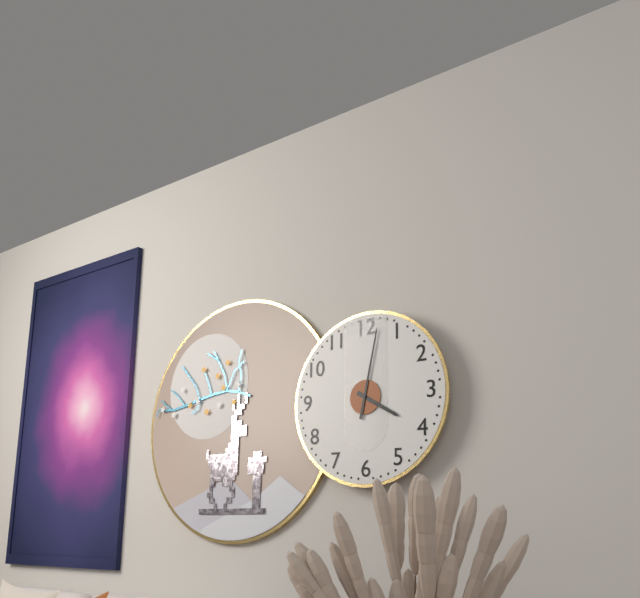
4:02
